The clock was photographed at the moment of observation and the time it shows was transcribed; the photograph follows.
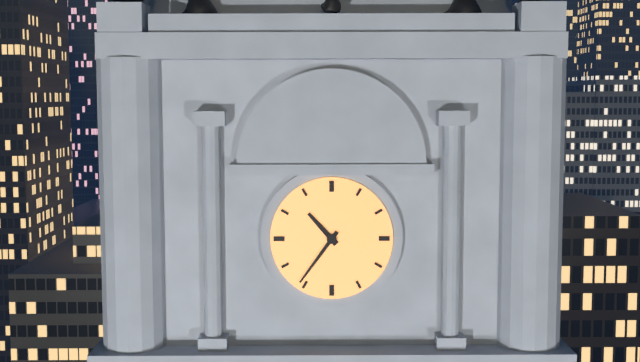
10:36
